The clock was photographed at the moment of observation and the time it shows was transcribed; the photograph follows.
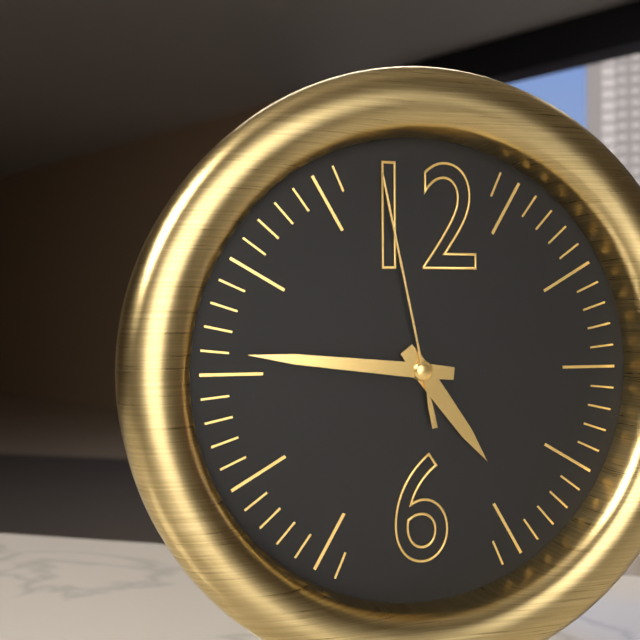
4:46:58
